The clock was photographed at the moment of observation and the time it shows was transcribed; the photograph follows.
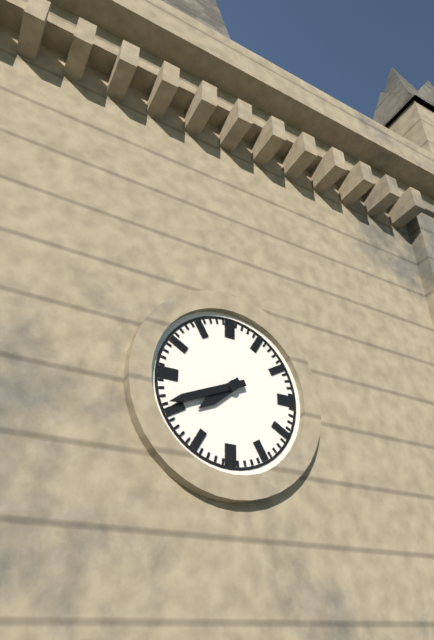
7:41
